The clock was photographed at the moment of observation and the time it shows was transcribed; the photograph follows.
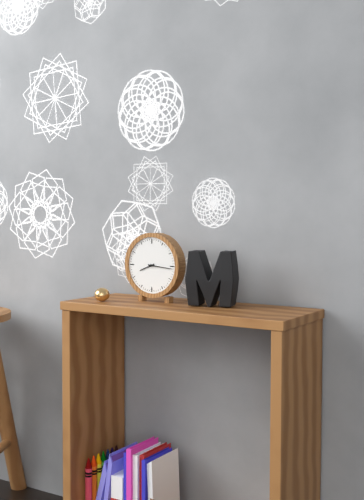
8:16
